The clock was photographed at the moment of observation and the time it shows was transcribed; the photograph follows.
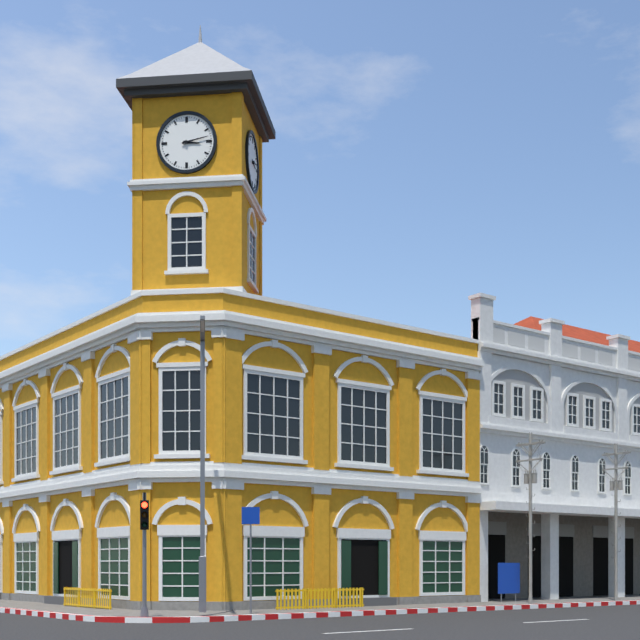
3:13
